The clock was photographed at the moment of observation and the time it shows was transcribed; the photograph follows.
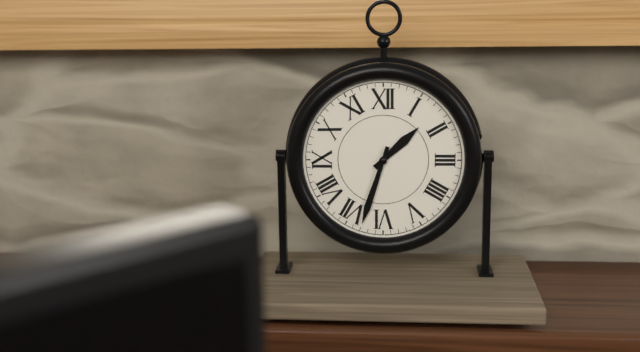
1:33
